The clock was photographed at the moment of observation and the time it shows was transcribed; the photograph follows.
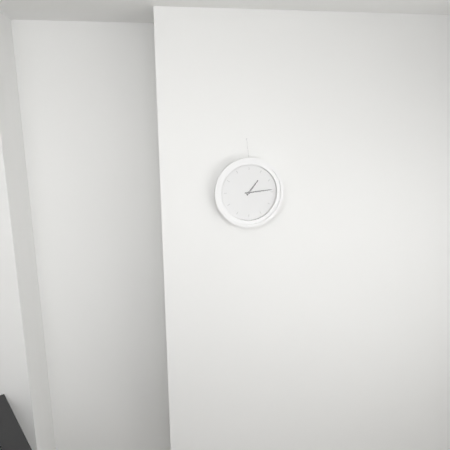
1:14
